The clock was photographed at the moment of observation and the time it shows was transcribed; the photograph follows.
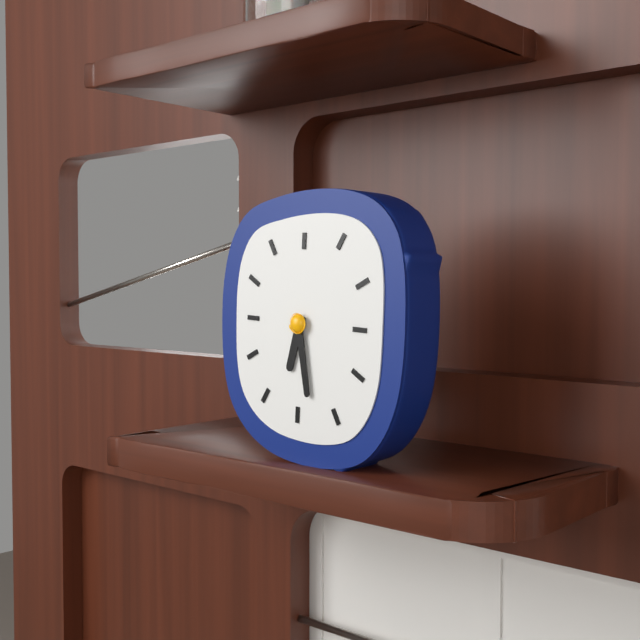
6:28
